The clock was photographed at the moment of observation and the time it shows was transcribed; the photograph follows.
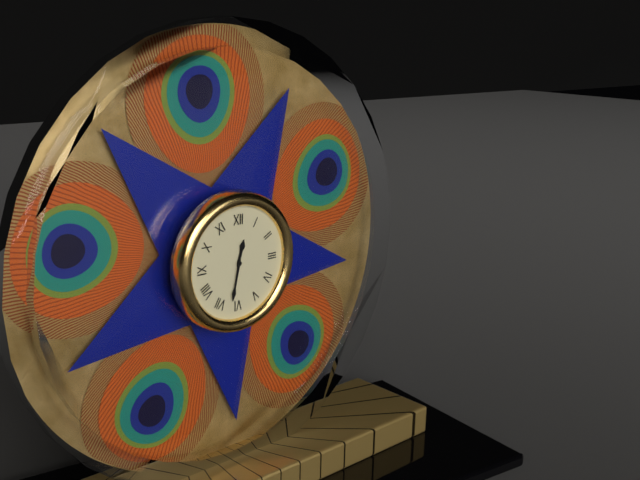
12:32
